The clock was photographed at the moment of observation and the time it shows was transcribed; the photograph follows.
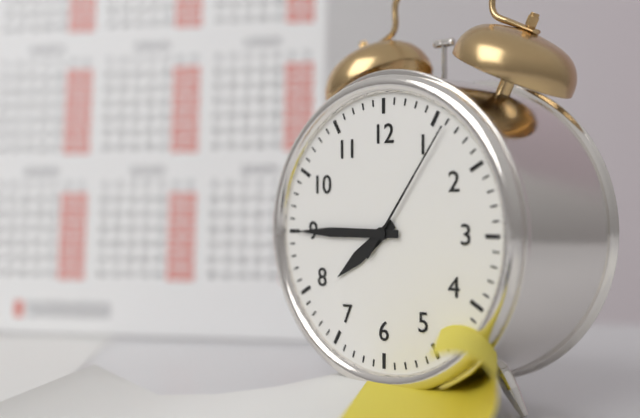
7:45:06
